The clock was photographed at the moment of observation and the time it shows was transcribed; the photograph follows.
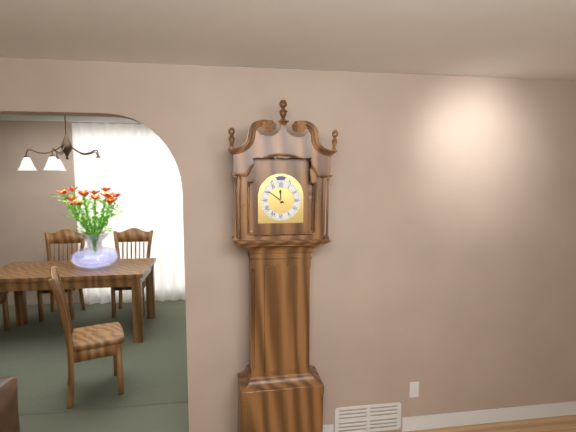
11:51
